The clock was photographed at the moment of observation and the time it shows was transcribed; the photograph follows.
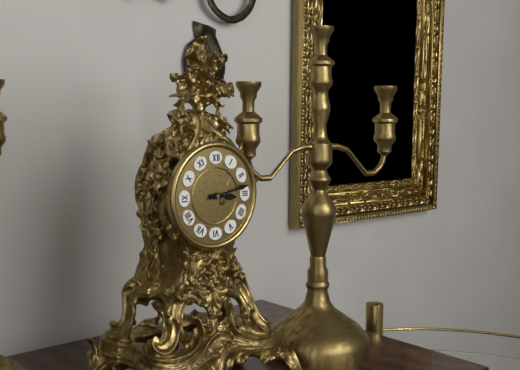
3:13
